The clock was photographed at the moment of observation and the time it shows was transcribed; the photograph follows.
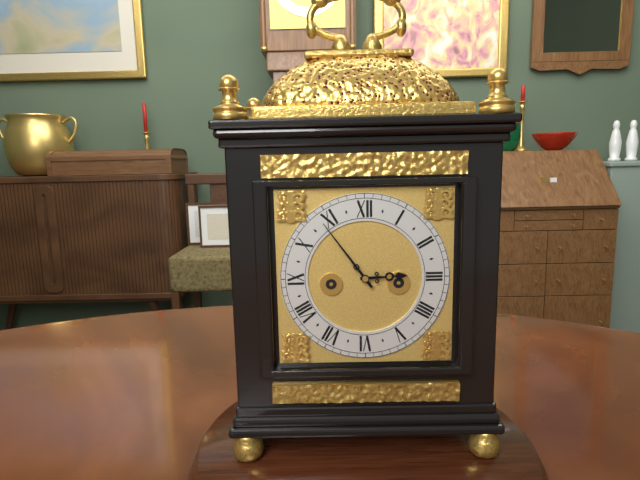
2:54
